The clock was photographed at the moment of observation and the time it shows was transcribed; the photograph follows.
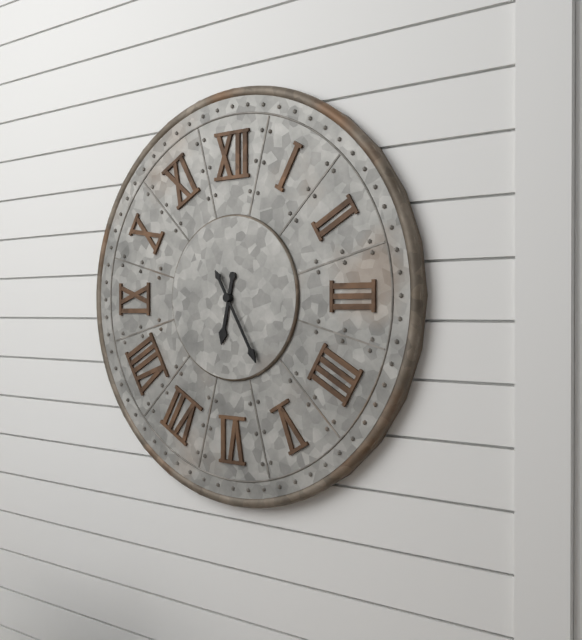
6:25
